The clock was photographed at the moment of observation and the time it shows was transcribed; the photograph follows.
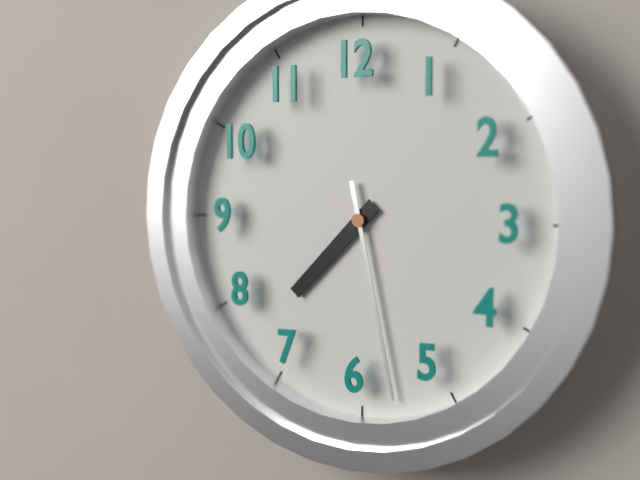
7:28
